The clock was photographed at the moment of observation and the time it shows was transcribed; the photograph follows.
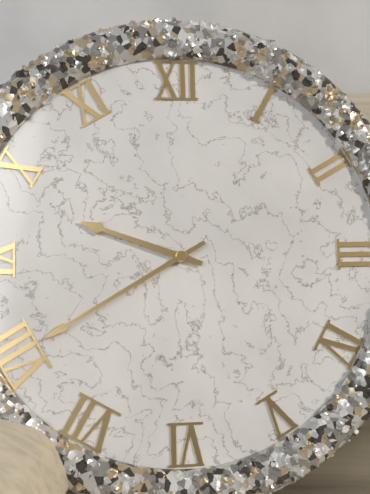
9:40
